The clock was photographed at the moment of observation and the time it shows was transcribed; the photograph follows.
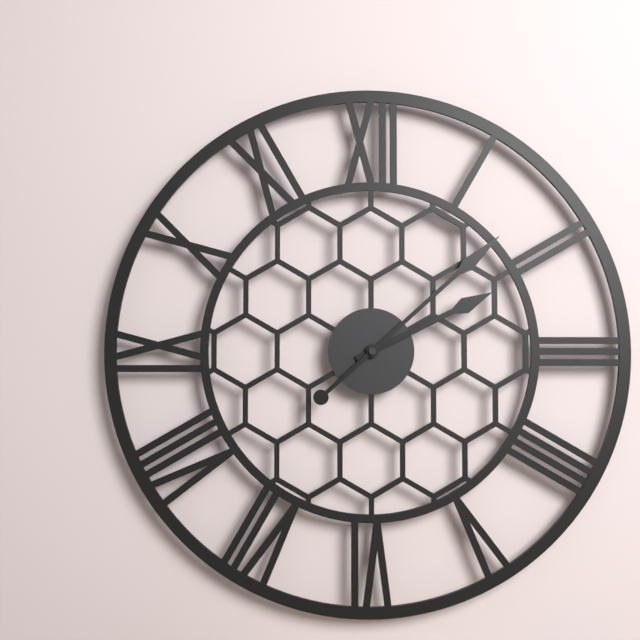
2:08
